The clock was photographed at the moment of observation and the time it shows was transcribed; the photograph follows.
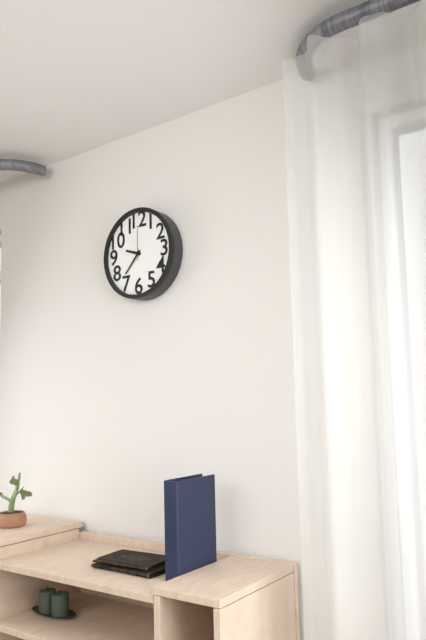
9:37
